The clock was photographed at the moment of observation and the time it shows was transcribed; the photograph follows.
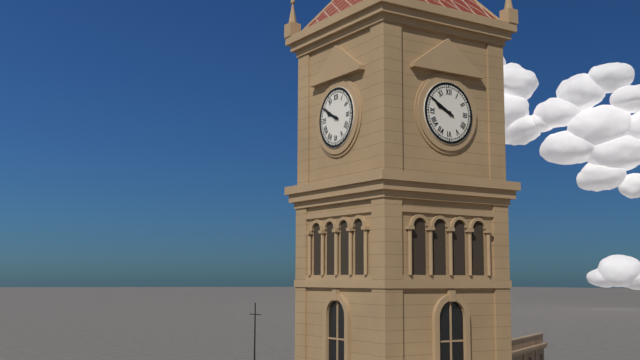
9:50
